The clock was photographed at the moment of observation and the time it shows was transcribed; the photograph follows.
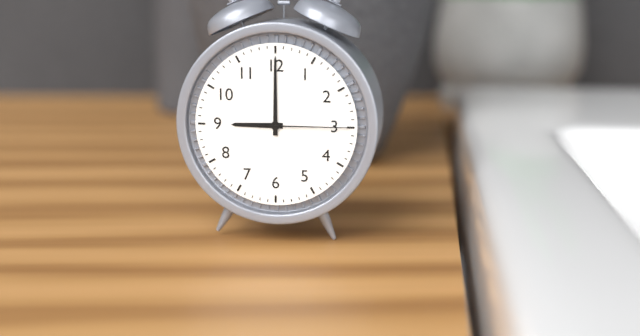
9:00:15
